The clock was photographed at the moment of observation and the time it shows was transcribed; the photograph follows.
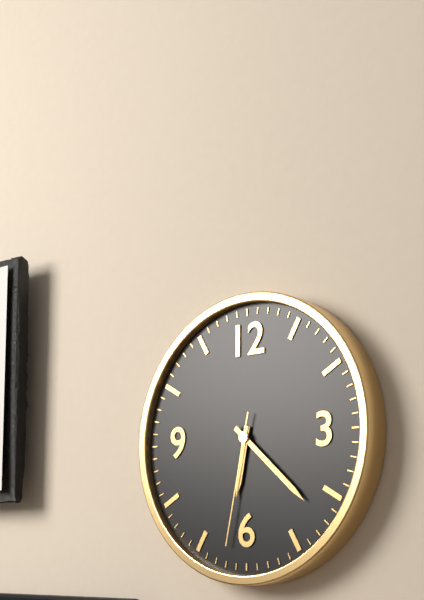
6:22:32
